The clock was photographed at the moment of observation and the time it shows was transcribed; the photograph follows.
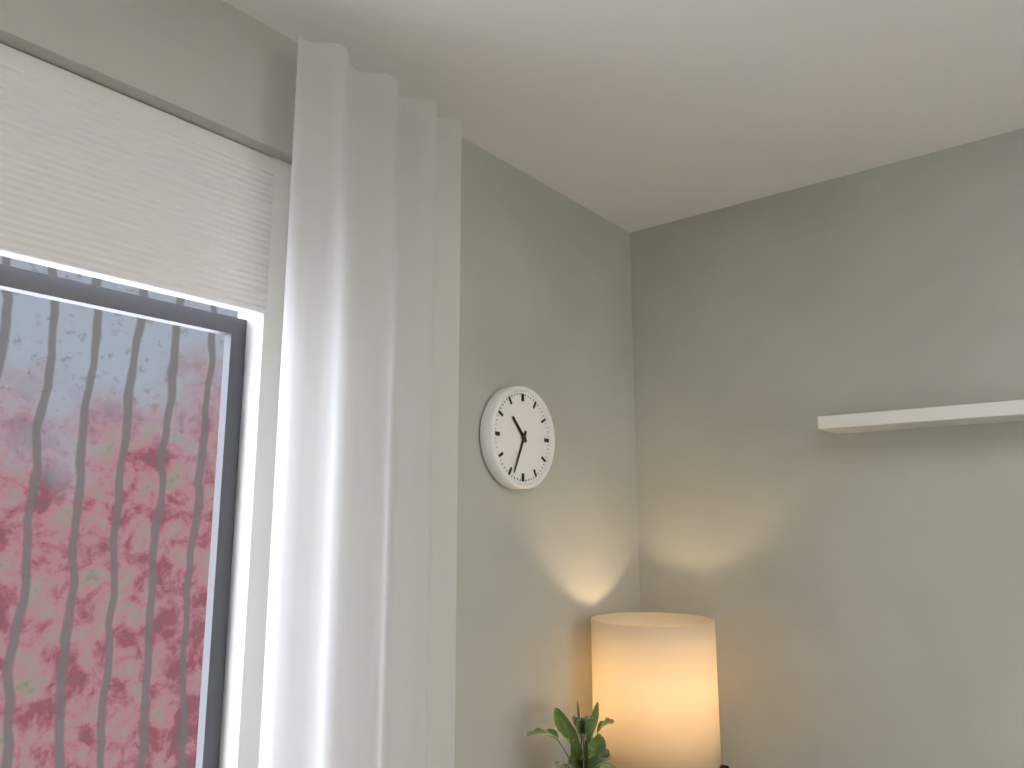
10:34
